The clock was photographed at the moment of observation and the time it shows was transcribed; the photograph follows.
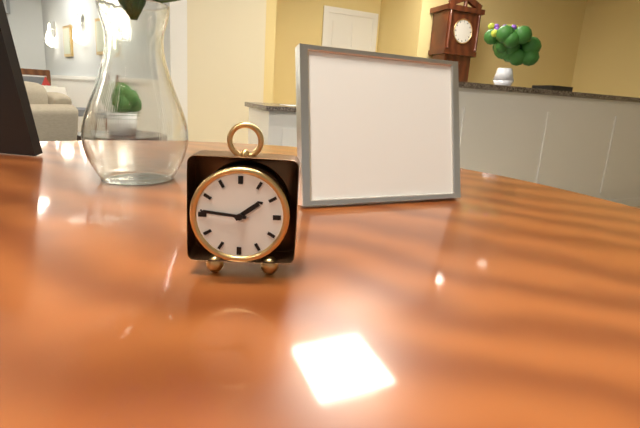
1:46
